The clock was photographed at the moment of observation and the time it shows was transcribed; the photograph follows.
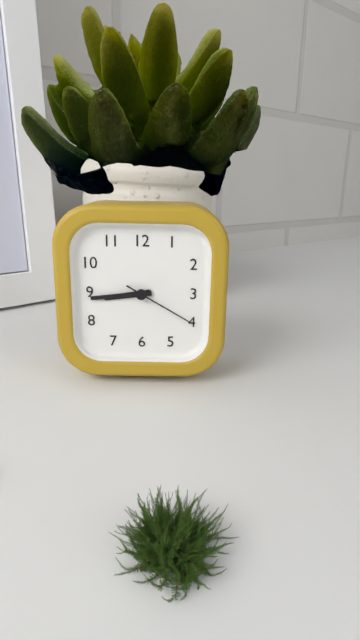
8:44:20
